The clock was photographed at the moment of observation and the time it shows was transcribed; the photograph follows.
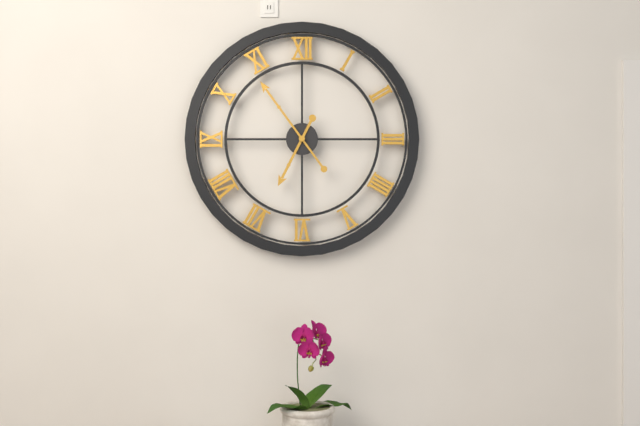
6:54
